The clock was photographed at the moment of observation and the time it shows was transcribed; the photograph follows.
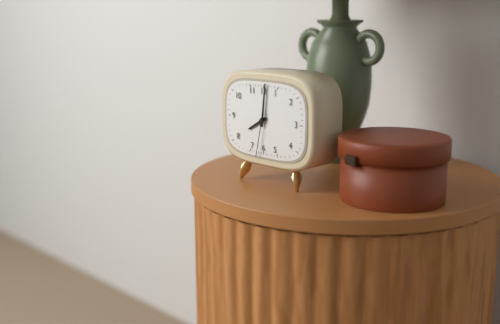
8:01
